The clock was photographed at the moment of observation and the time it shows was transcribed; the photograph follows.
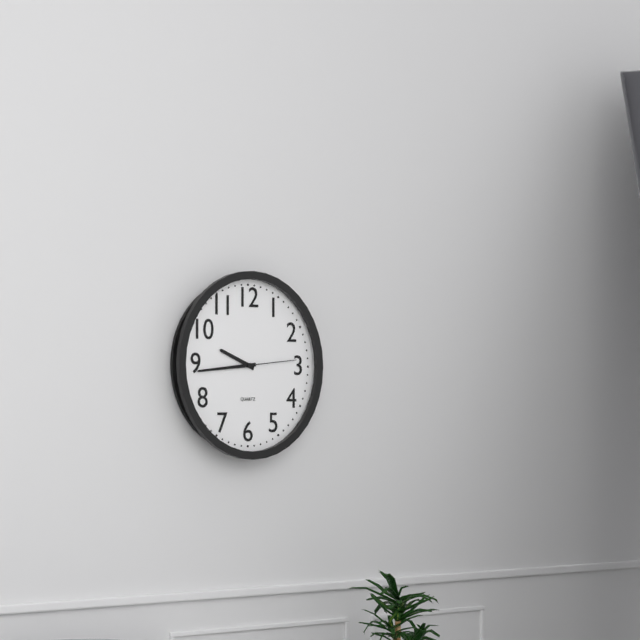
9:44:14
